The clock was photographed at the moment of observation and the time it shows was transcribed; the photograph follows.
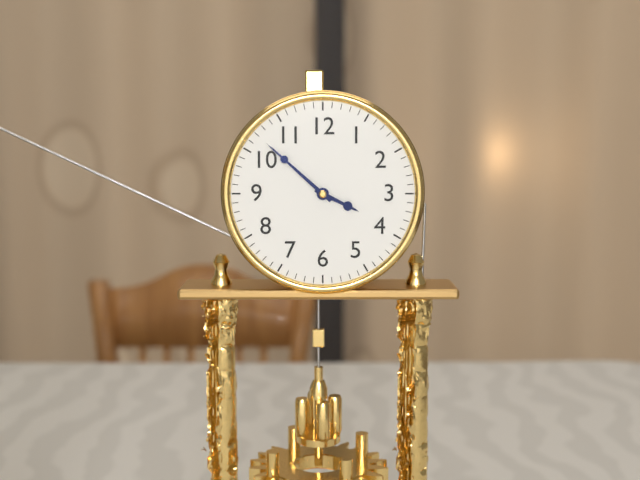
3:52
